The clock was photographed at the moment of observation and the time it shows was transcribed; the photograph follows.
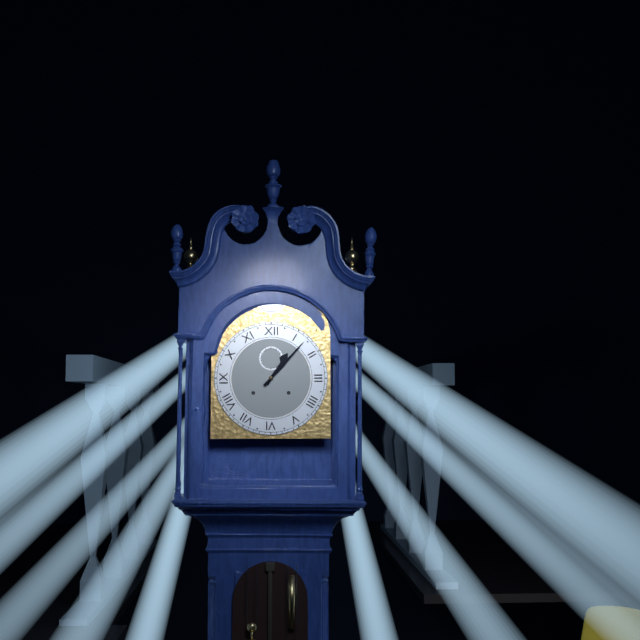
1:07
